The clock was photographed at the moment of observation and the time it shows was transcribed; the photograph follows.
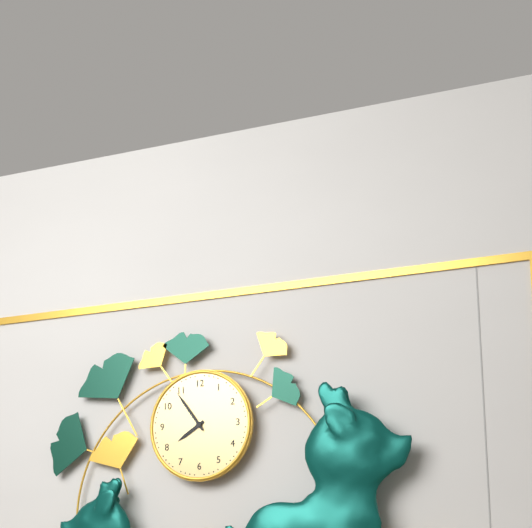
7:54
